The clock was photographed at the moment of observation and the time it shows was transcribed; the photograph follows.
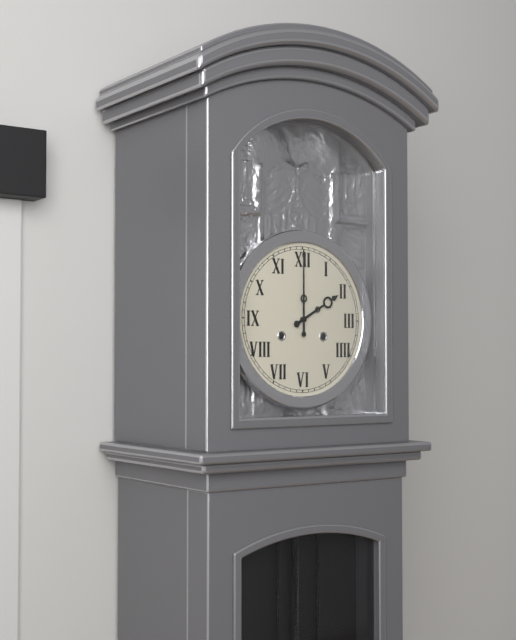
2:00
